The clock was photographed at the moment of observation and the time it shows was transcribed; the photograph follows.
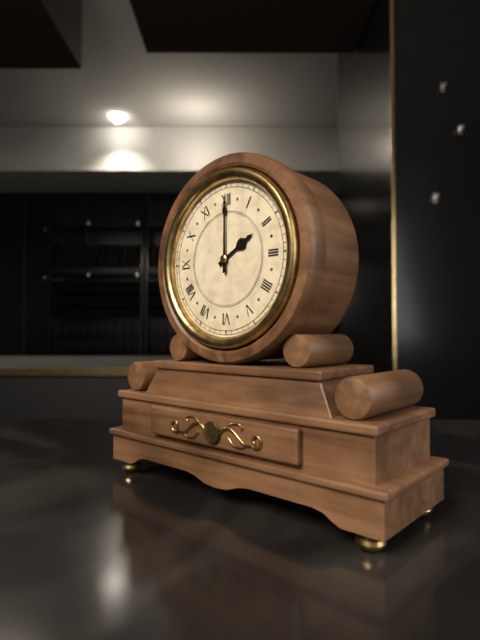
2:00
